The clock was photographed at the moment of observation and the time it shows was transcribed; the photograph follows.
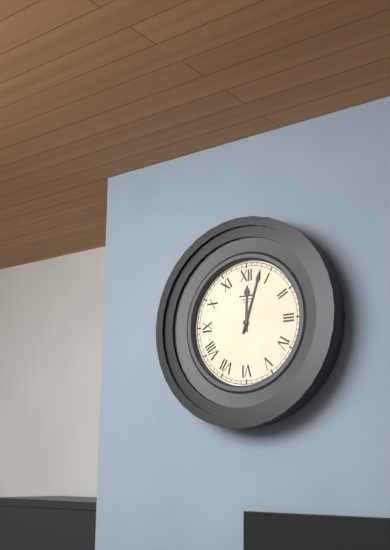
12:03
